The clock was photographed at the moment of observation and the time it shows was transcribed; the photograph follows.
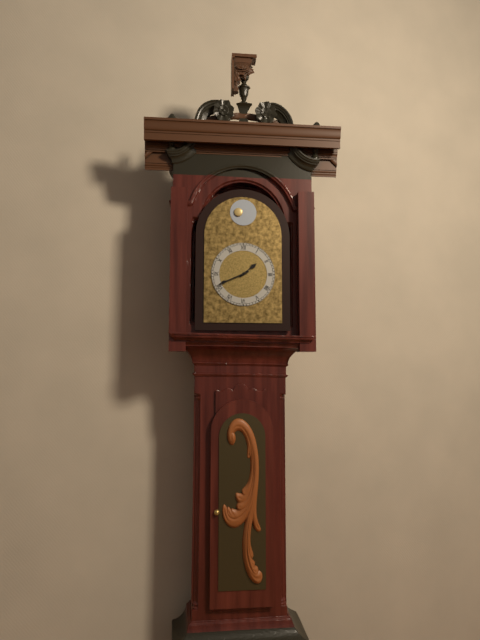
1:41
